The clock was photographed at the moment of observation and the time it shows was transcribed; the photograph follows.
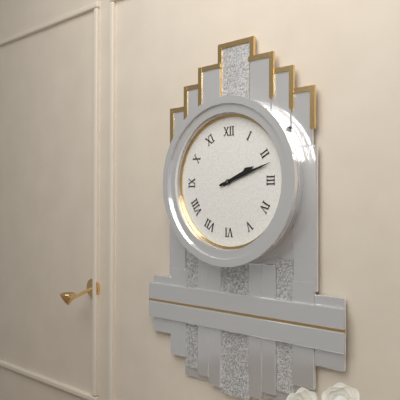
2:12
